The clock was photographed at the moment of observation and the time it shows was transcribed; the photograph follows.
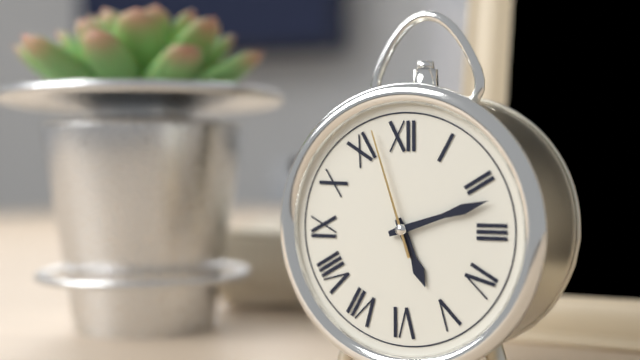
5:12:57
